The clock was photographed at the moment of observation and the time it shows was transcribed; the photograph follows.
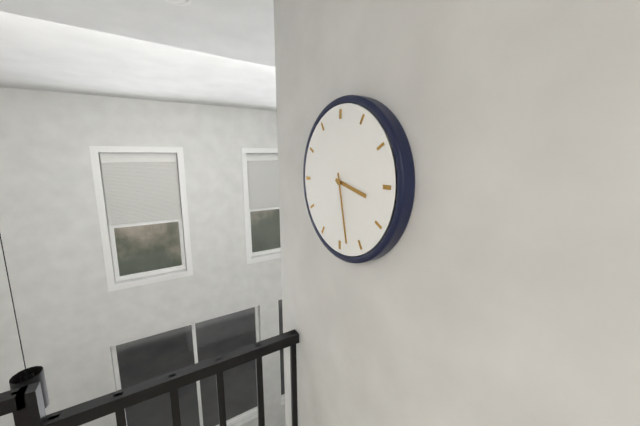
3:28
